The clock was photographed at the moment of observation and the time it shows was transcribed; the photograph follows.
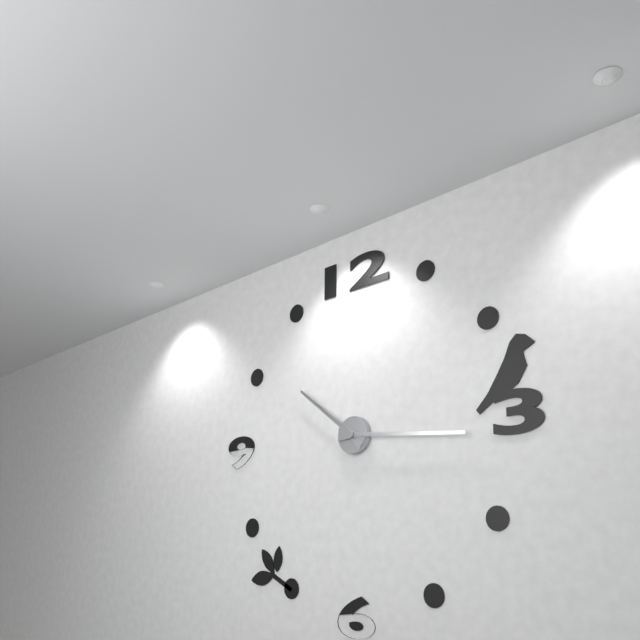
10:16
